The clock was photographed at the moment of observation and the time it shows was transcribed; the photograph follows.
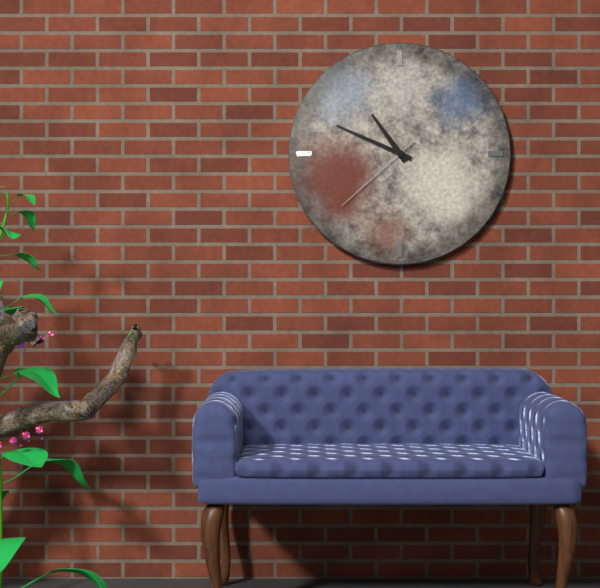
10:49:38
